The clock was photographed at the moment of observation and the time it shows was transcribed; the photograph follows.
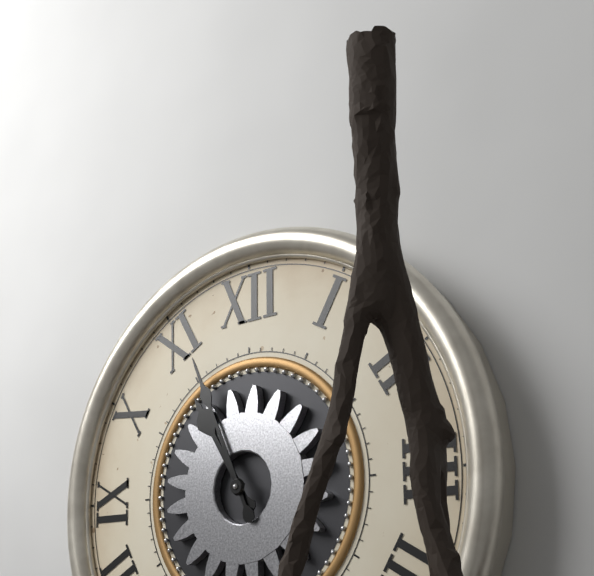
10:56
